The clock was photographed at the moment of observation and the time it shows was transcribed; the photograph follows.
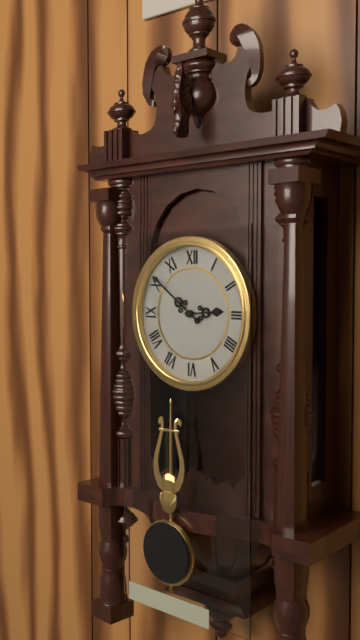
2:51
